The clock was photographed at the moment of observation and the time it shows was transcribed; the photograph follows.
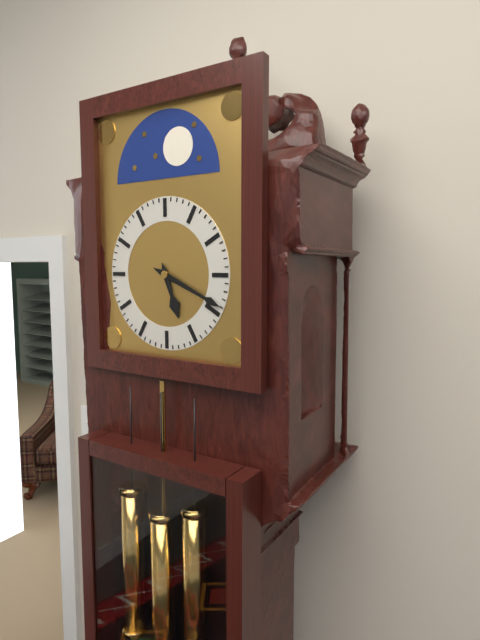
5:19
